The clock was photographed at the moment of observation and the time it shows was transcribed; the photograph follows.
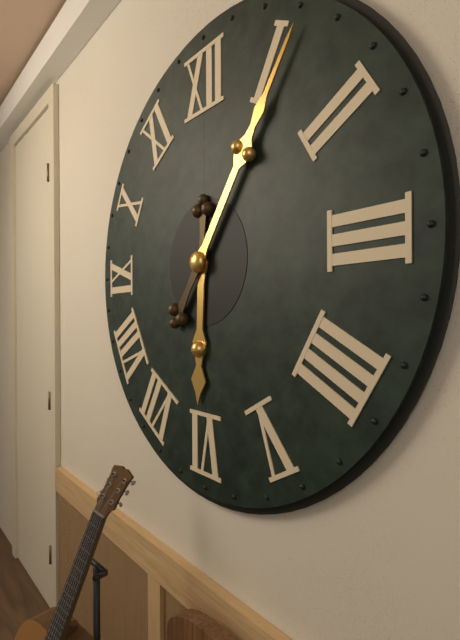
6:06
